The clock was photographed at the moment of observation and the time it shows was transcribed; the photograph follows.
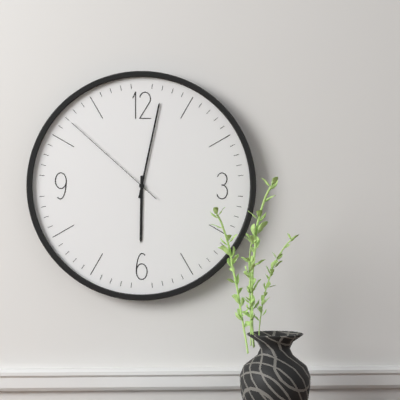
6:02:52
